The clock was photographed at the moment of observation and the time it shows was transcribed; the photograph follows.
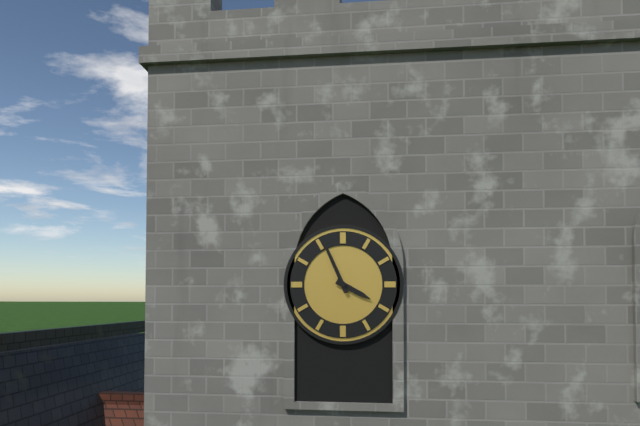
3:56
